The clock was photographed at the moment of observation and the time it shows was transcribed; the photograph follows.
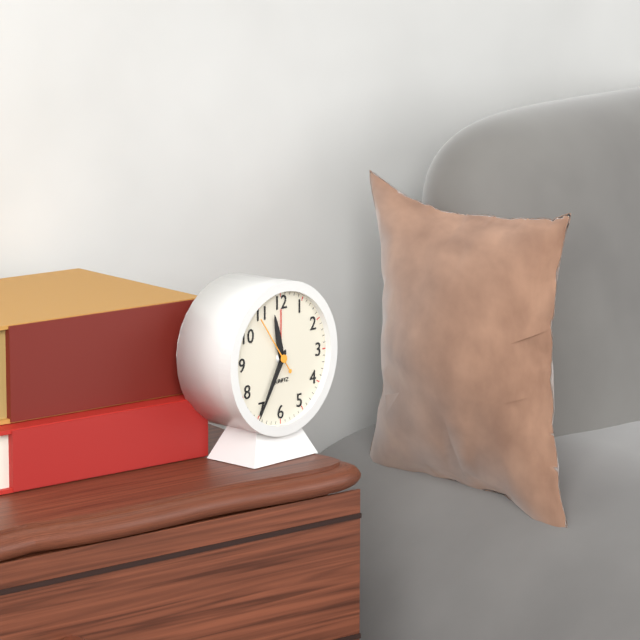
11:35:54
